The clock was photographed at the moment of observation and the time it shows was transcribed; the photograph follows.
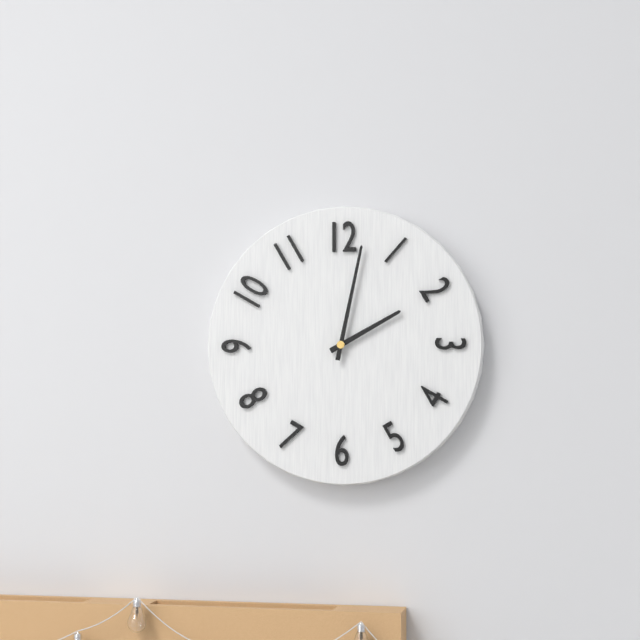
2:02
